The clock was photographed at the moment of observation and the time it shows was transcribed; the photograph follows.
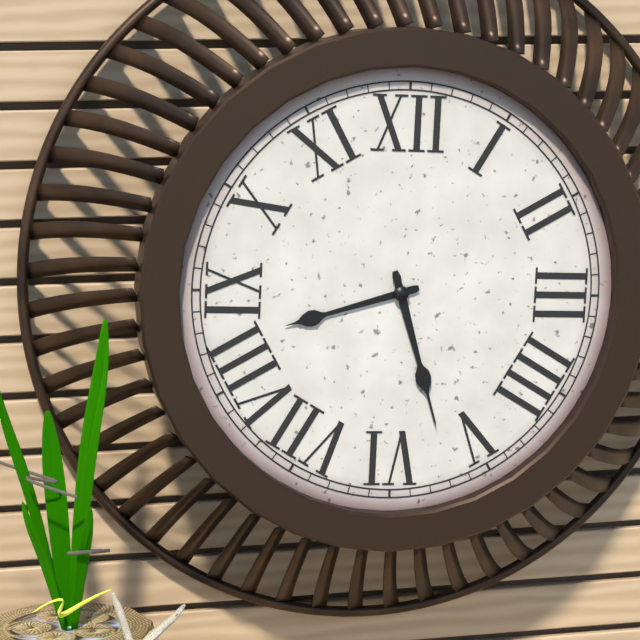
8:27
